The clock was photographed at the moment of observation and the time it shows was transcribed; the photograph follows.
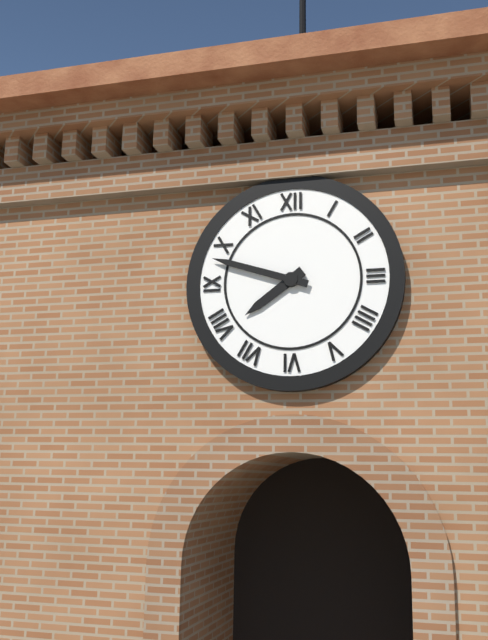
7:48
